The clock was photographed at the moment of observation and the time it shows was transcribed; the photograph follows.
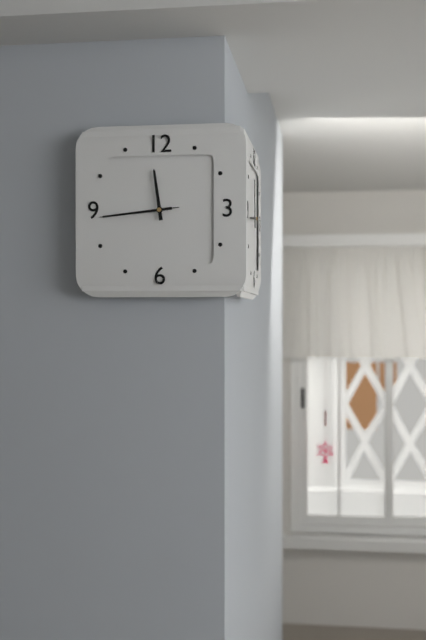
11:44:44
